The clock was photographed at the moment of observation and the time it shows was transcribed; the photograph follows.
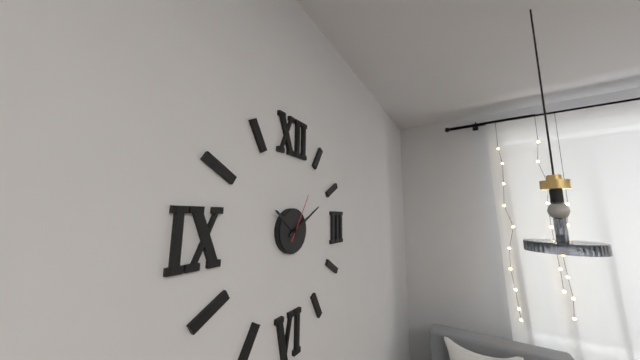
10:10
